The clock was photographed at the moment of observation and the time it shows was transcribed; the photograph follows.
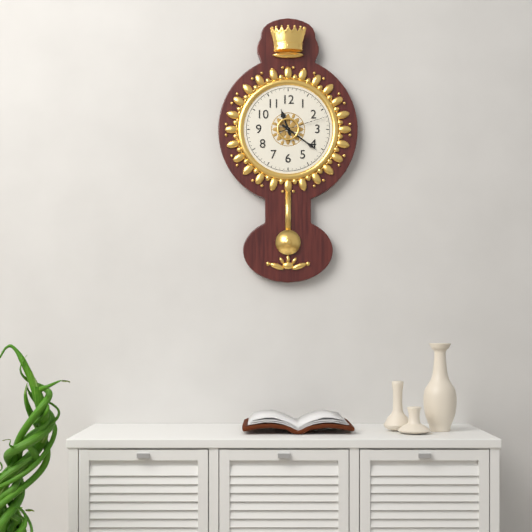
11:21
